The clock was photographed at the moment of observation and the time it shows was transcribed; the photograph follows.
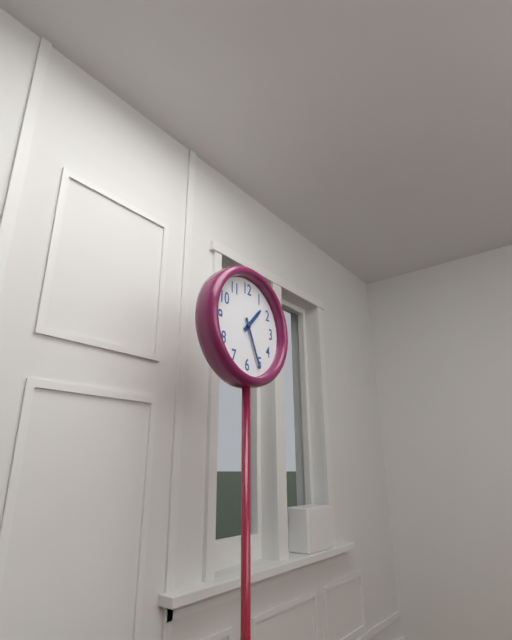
1:26
